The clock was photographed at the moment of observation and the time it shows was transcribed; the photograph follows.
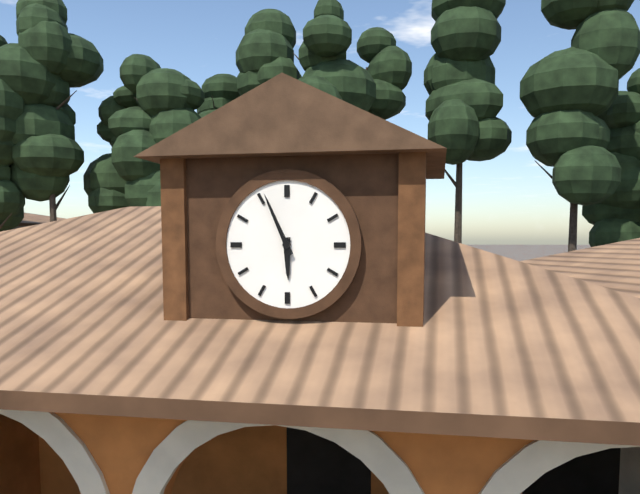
5:56
